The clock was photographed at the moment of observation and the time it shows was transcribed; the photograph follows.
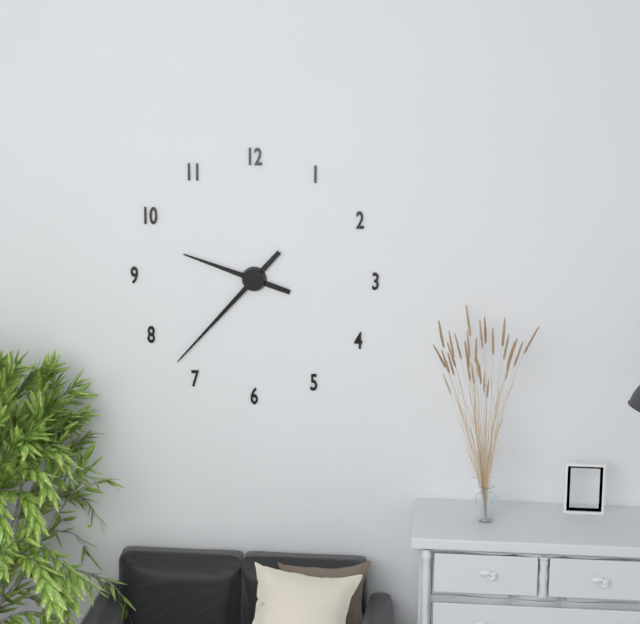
9:37
